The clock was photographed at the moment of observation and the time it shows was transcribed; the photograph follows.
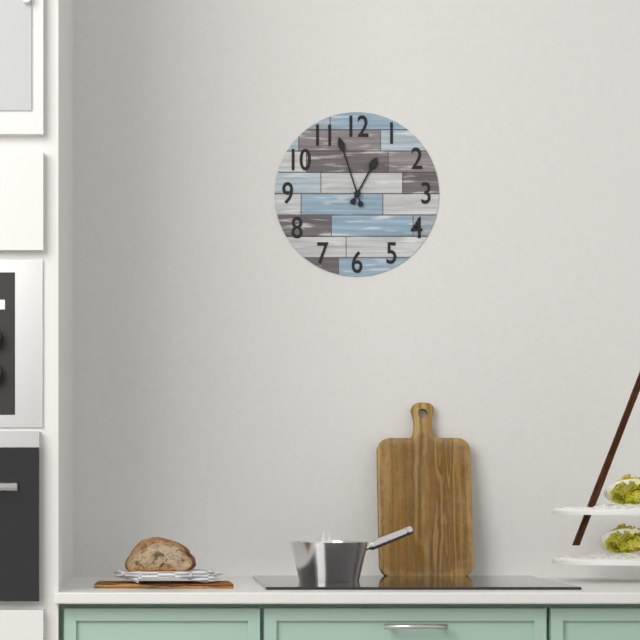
12:57
